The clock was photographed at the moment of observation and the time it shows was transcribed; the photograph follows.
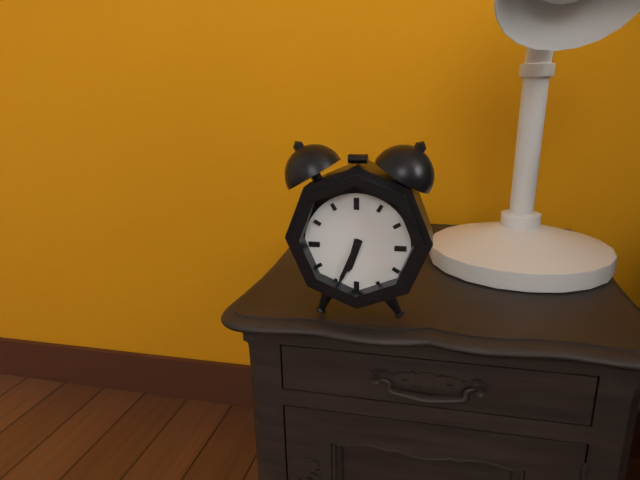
6:34
